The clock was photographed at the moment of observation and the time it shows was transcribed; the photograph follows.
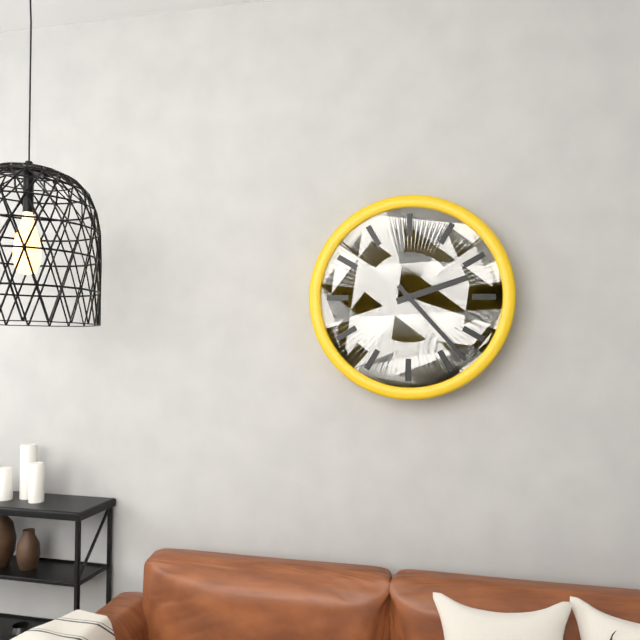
2:23
